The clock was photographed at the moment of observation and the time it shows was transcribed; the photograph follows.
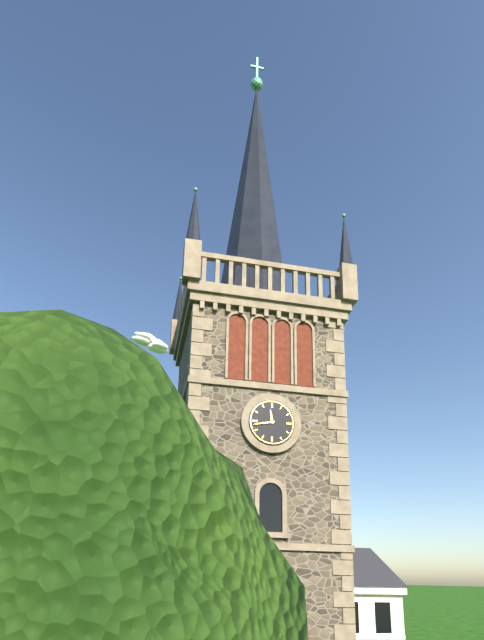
11:43
